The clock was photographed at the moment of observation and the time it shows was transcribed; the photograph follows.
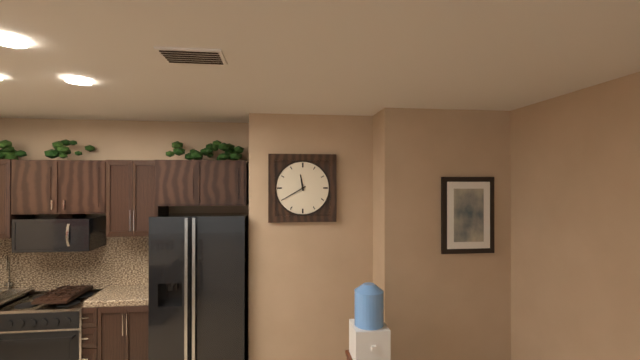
11:40
